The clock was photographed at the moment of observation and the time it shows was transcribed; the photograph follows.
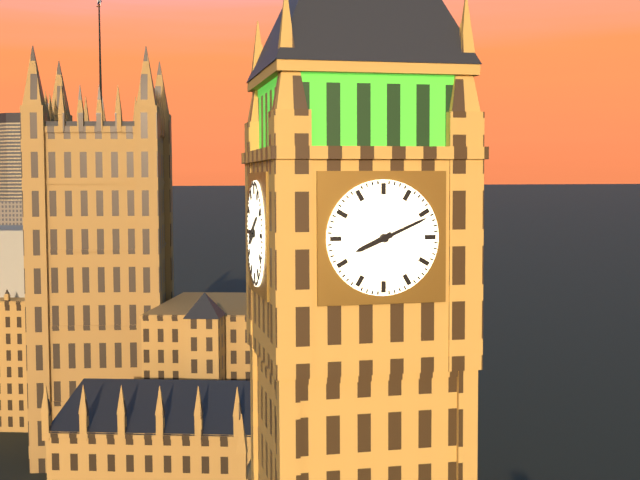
8:11
